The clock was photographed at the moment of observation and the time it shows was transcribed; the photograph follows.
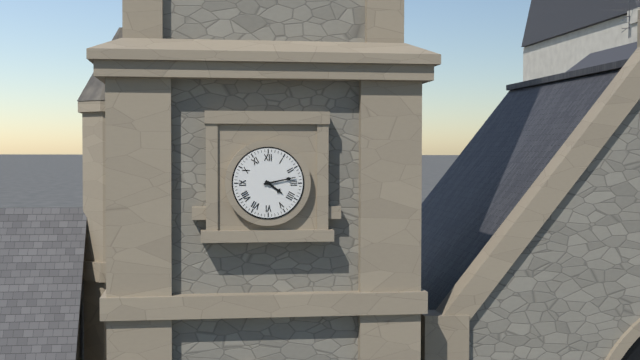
4:13
